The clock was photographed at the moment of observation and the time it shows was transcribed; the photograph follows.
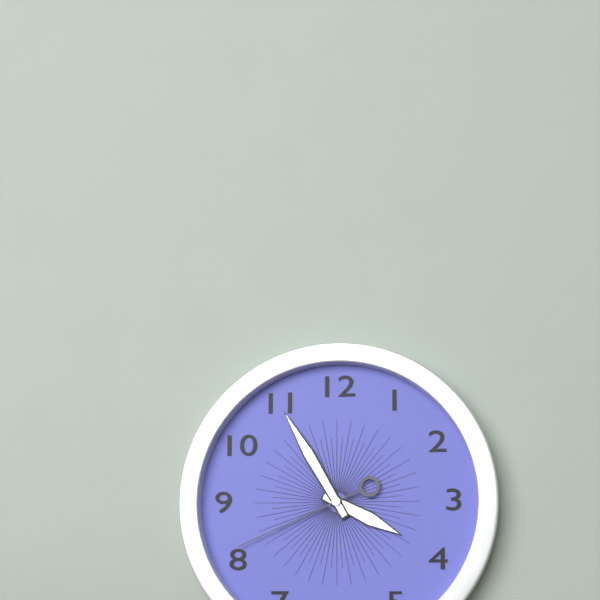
3:55:41
